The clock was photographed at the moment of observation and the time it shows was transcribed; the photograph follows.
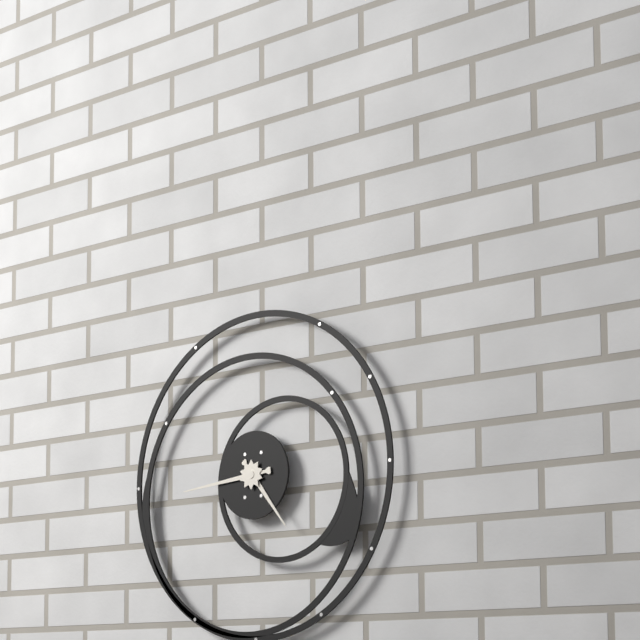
4:44
